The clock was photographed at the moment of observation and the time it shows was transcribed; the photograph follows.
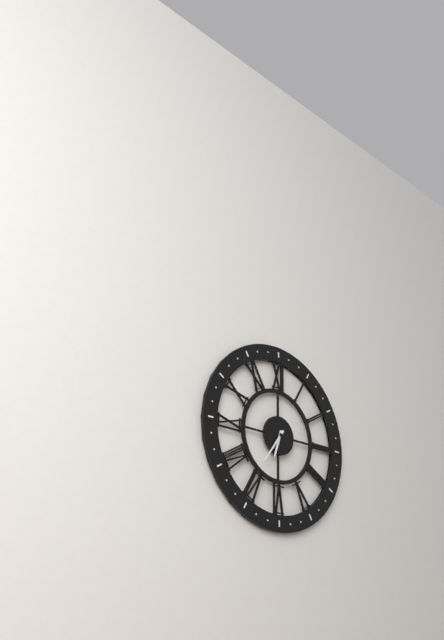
6:36
